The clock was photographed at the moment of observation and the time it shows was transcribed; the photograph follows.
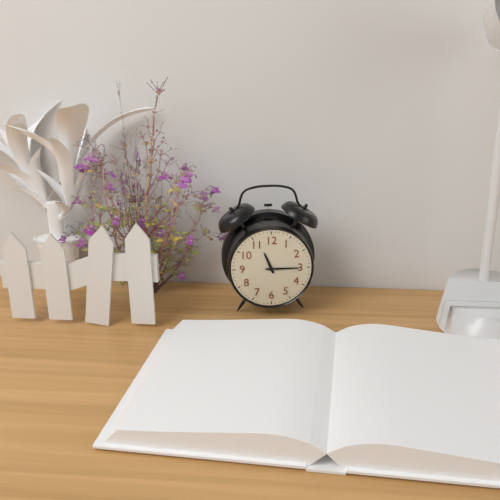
11:15
